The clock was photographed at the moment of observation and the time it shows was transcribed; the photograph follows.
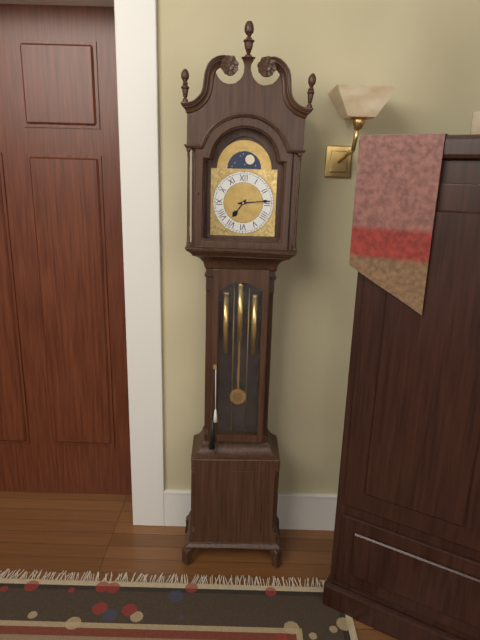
7:14
